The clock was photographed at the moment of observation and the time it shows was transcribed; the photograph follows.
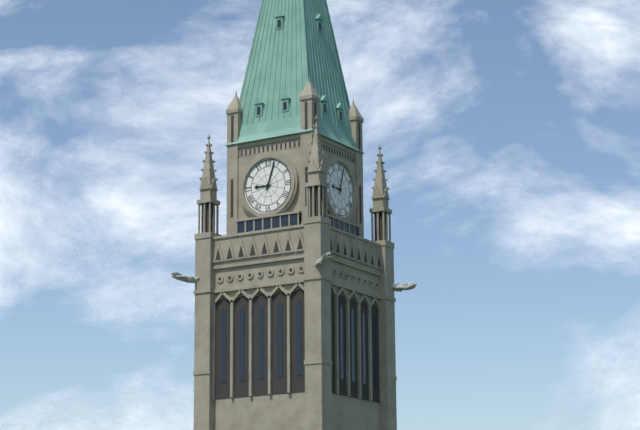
9:03
